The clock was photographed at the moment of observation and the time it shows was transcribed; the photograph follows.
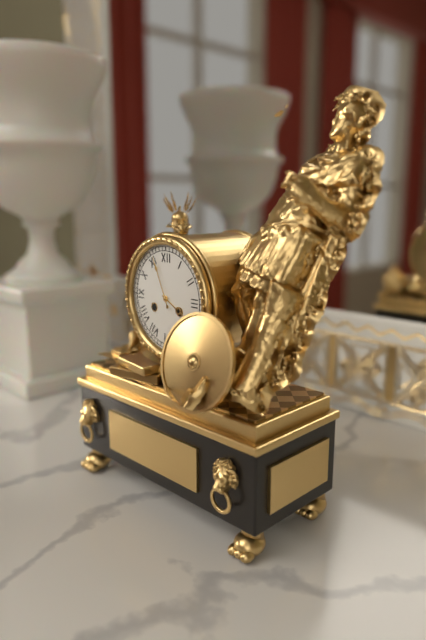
3:56
